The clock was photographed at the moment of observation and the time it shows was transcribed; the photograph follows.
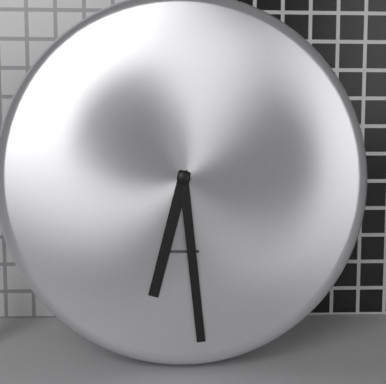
6:29
